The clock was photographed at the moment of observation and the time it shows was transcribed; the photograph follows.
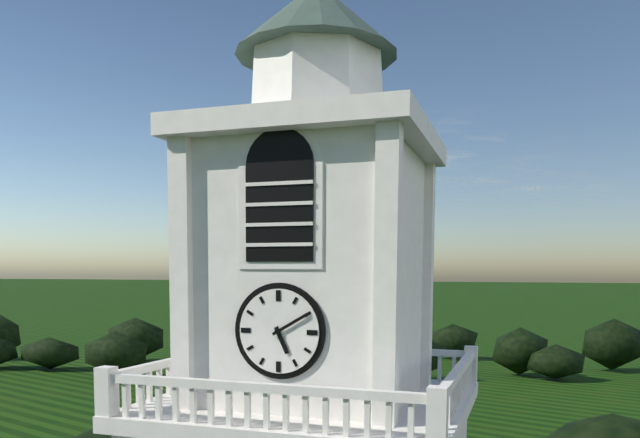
5:10
